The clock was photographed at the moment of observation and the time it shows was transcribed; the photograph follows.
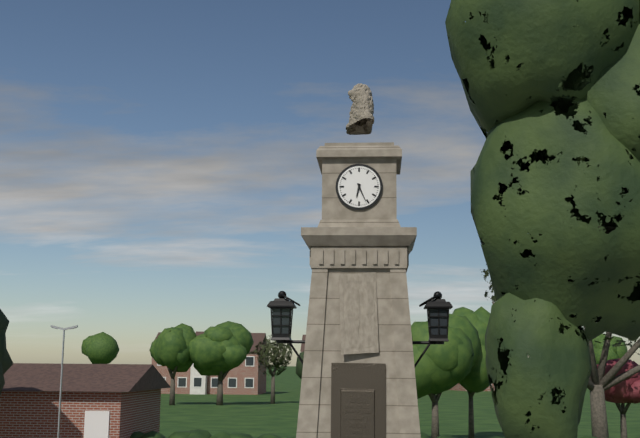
6:26
